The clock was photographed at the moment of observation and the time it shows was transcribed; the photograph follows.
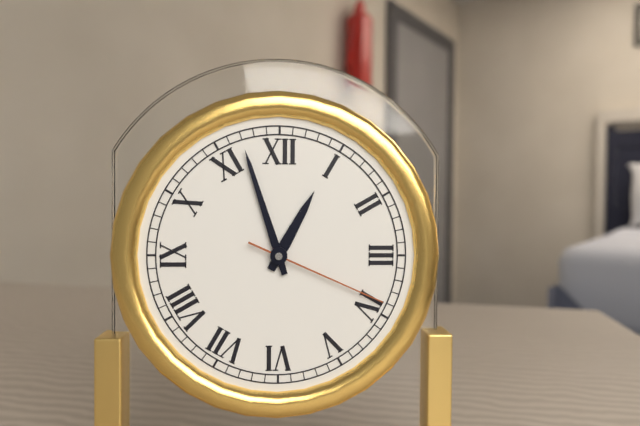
12:57:19
